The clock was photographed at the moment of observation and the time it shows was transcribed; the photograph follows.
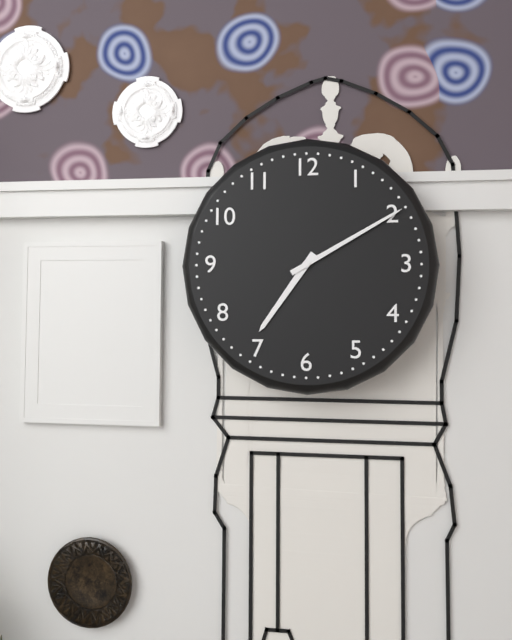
7:10
